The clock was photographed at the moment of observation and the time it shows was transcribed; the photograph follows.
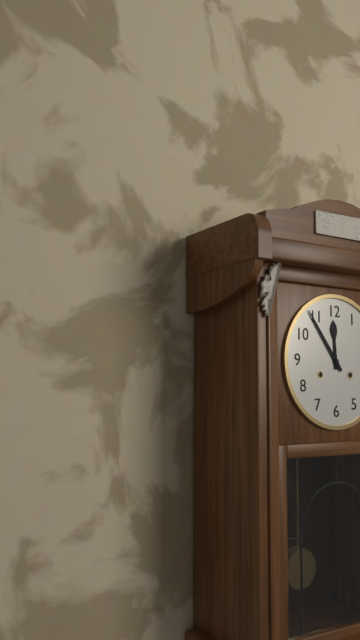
11:54
